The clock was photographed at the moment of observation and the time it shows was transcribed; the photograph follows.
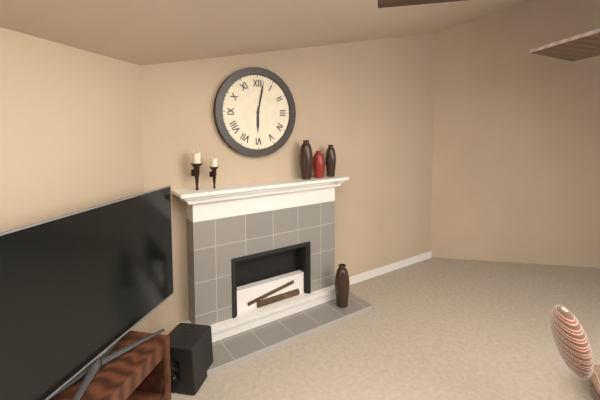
6:02
